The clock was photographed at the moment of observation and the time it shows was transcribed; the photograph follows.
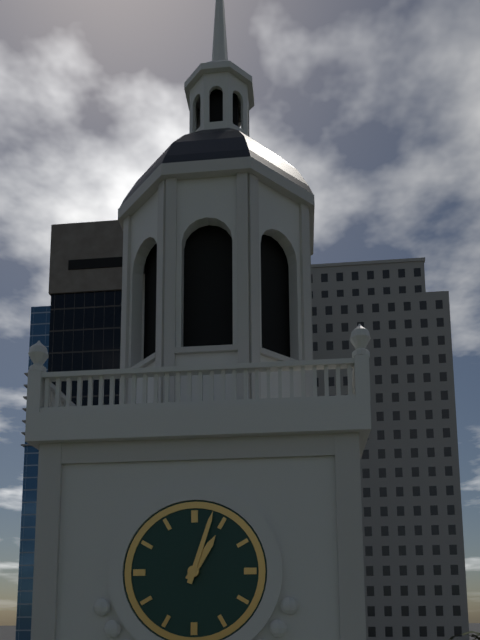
1:03
